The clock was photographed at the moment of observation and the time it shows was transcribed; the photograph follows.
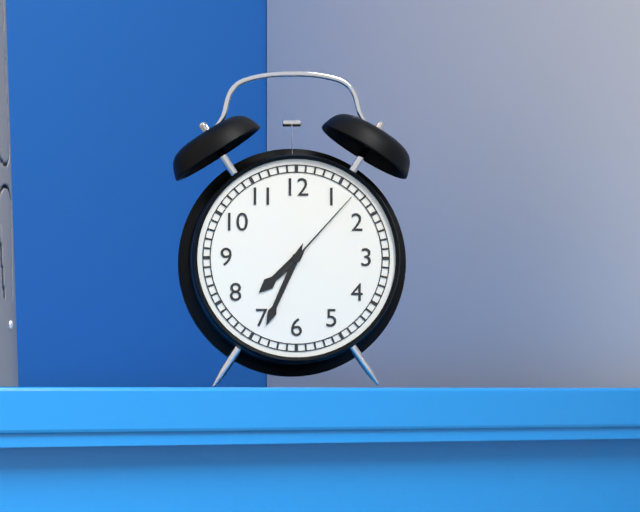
7:34:07
